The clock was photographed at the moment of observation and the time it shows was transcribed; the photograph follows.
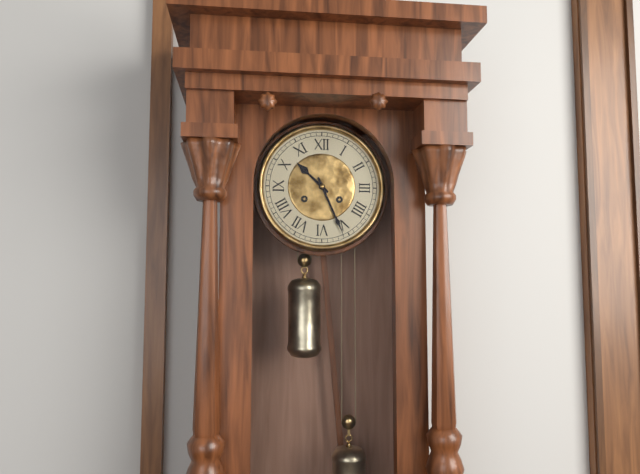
10:26
